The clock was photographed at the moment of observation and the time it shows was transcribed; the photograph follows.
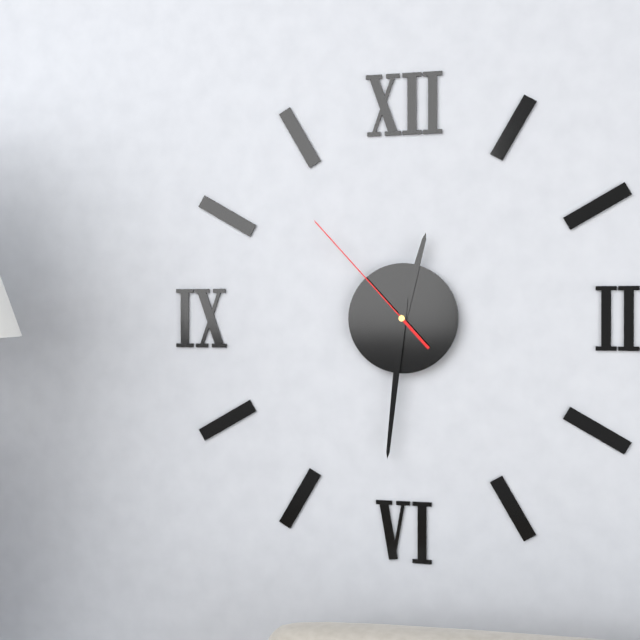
12:31:53
